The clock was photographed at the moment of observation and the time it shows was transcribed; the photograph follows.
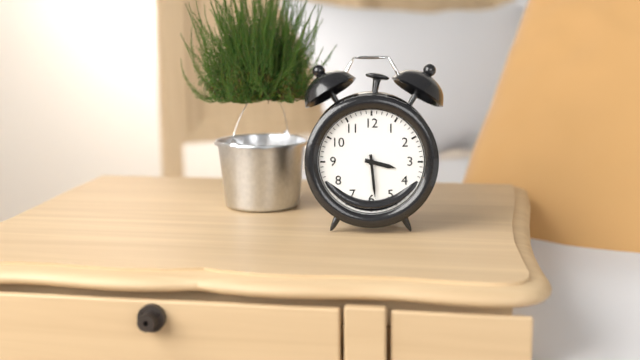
3:29
